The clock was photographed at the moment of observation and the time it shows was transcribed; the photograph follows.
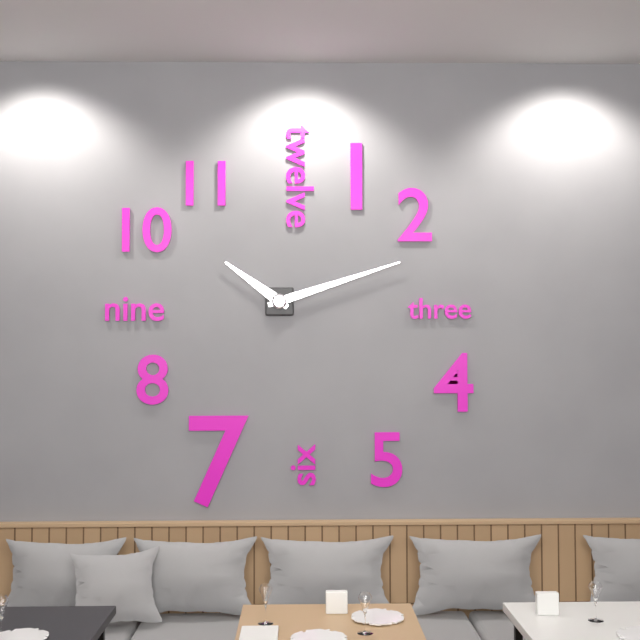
10:12
